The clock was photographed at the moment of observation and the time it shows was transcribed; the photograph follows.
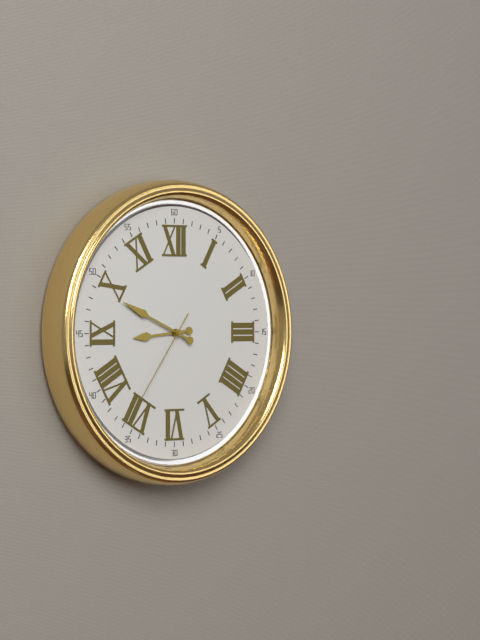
8:49:36
